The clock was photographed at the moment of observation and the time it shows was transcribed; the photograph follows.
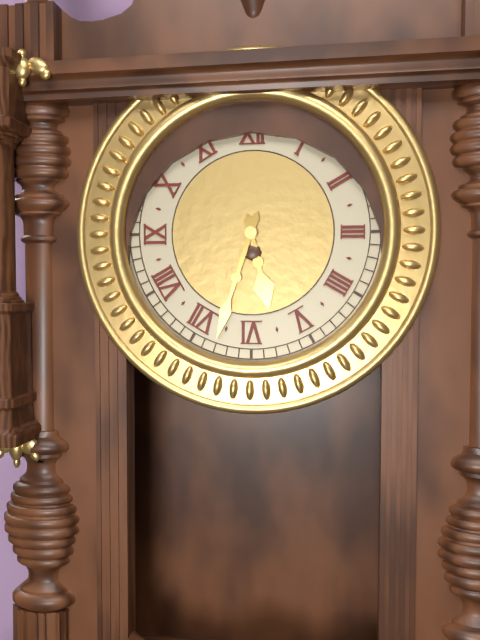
5:33
